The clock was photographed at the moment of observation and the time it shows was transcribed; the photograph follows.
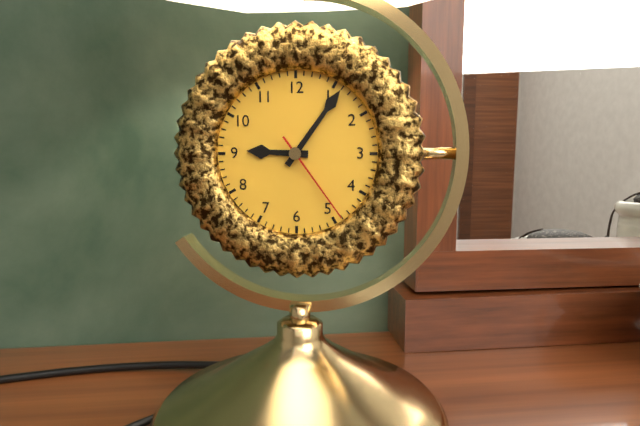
9:06:24
